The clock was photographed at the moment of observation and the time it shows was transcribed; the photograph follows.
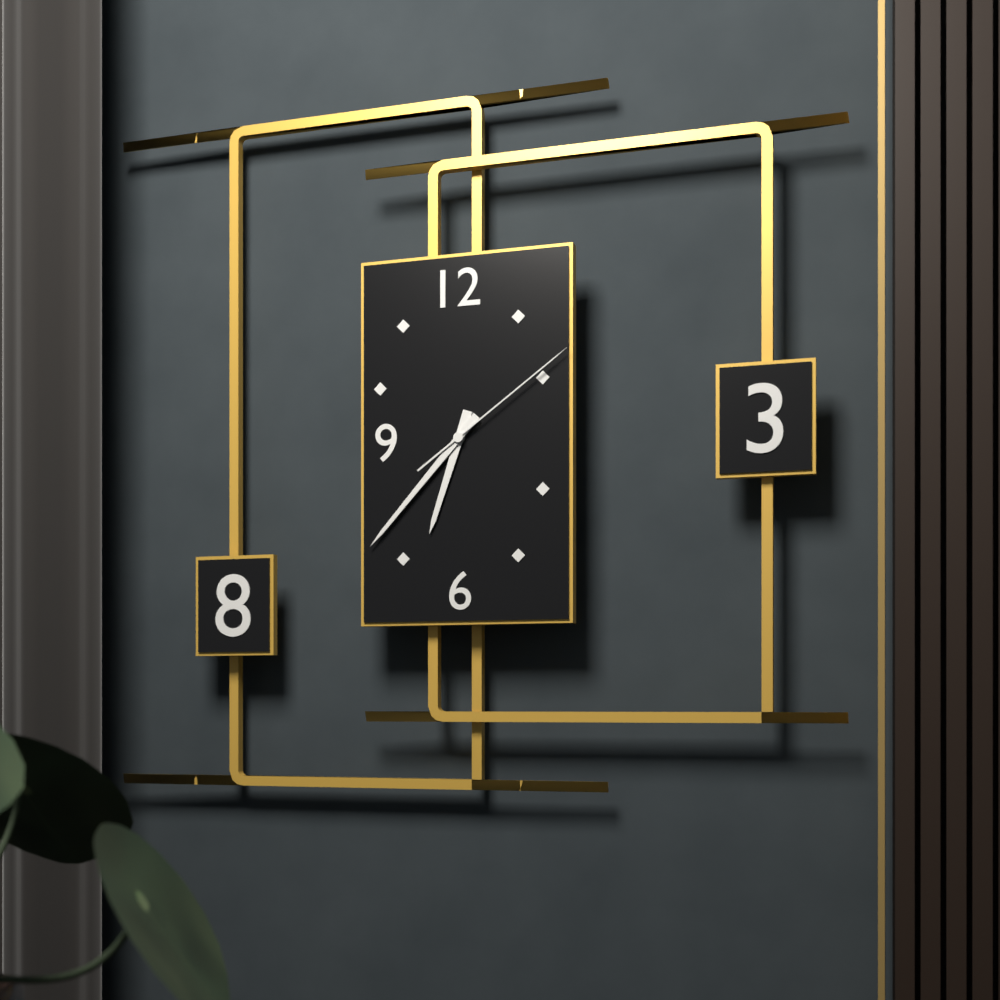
6:37:09
